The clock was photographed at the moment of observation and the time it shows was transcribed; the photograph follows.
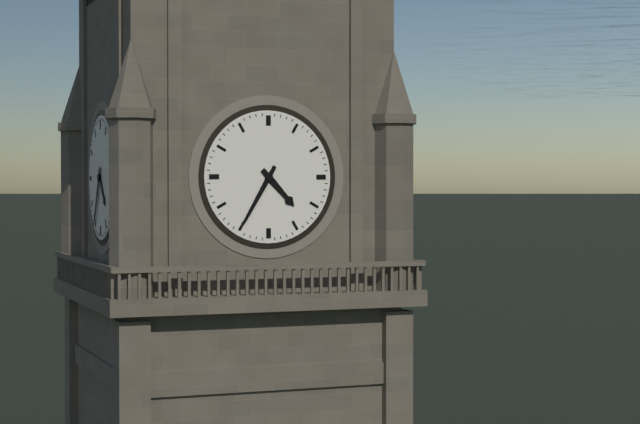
4:35
